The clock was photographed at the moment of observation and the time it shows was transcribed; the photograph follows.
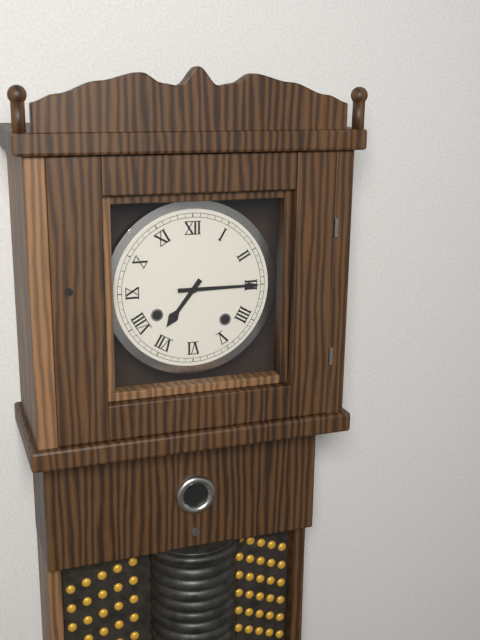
7:15
